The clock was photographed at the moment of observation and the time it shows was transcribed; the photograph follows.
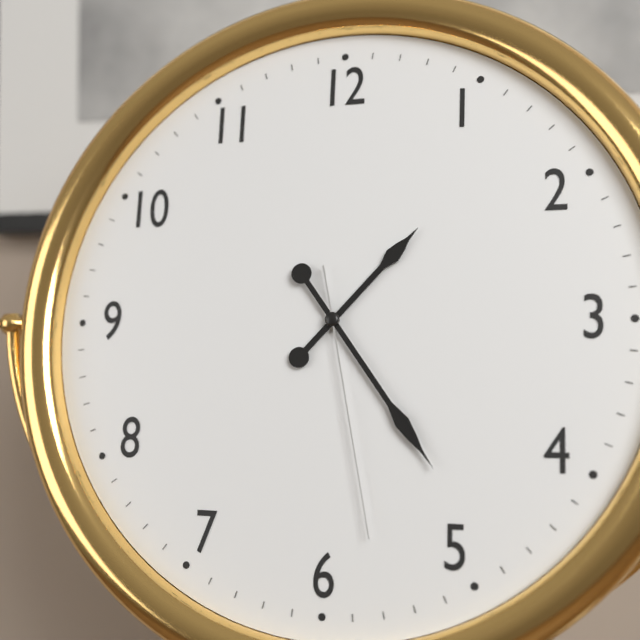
1:24:28
